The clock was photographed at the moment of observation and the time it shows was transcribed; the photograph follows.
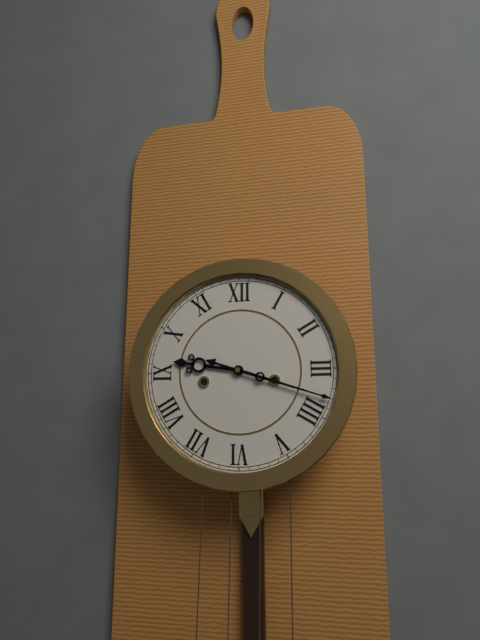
9:18
